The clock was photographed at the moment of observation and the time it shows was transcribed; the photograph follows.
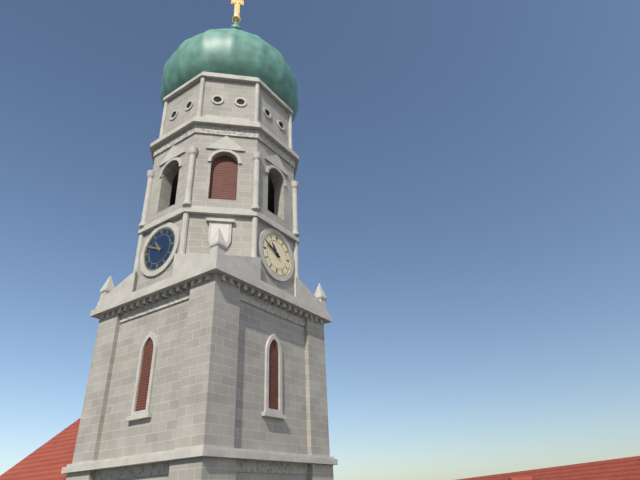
10:49
